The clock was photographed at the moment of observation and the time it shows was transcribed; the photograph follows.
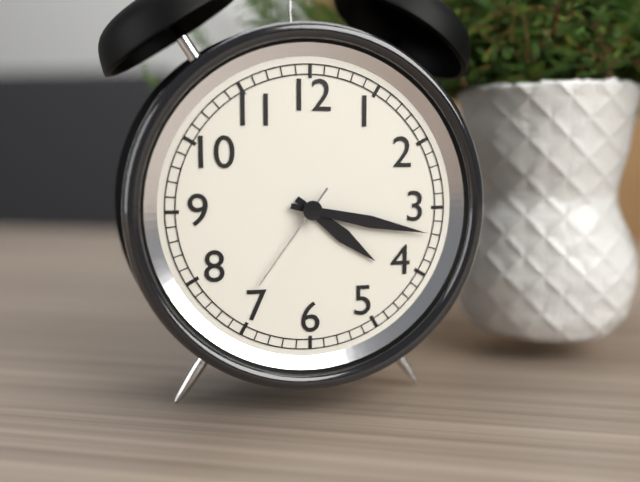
4:17:36
